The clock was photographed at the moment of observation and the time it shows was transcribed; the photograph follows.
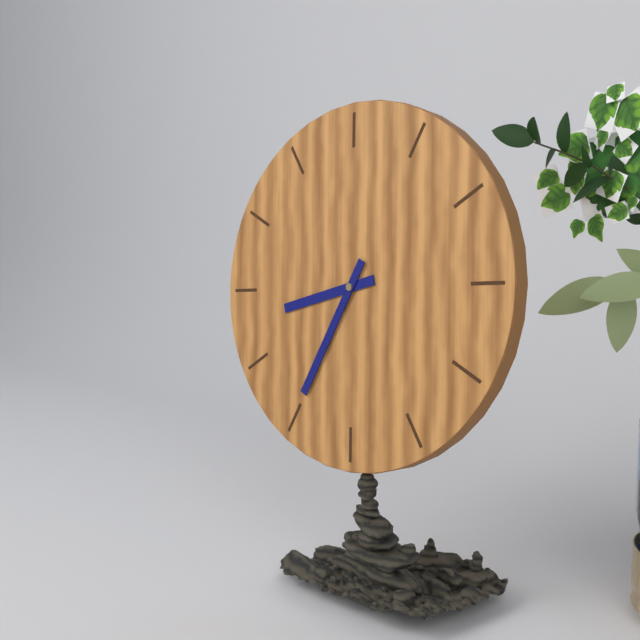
8:35
